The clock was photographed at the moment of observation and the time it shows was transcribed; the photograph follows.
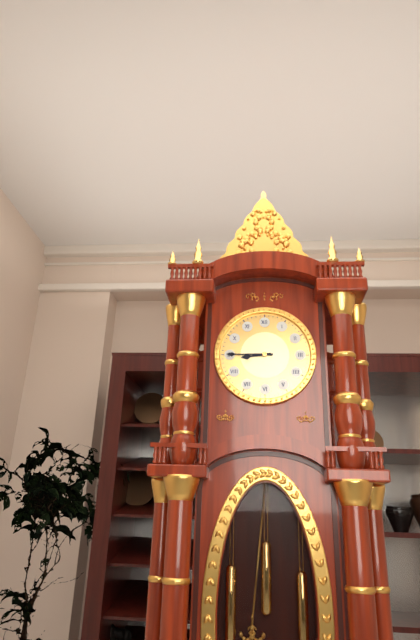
8:45
